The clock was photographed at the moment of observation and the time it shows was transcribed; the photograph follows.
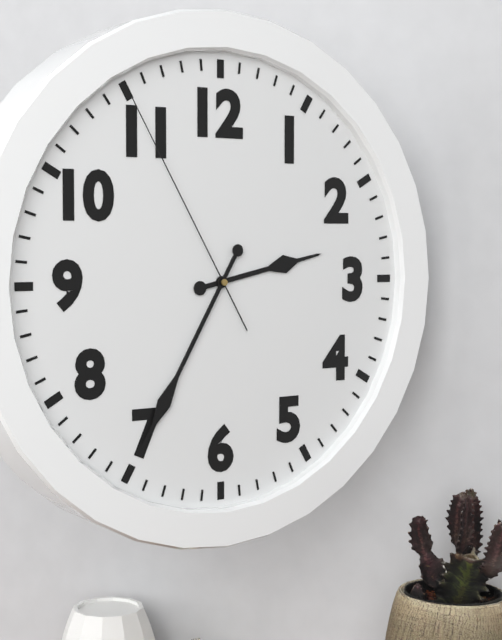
2:35:55
